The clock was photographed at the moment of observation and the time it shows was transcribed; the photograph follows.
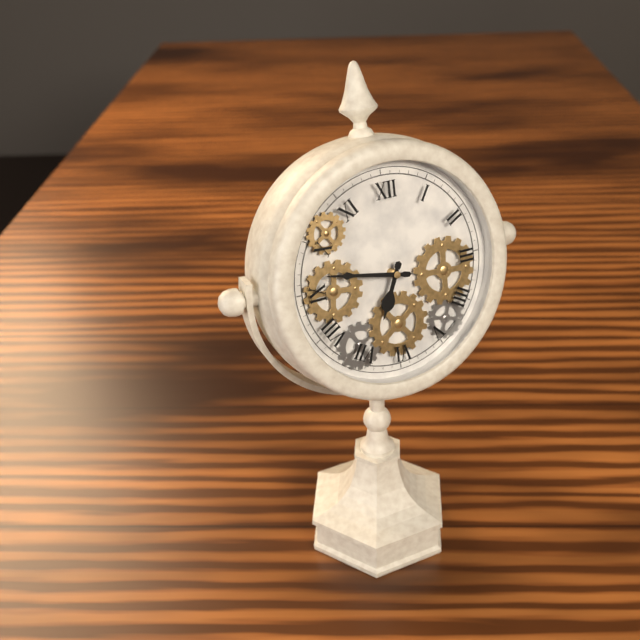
6:47
